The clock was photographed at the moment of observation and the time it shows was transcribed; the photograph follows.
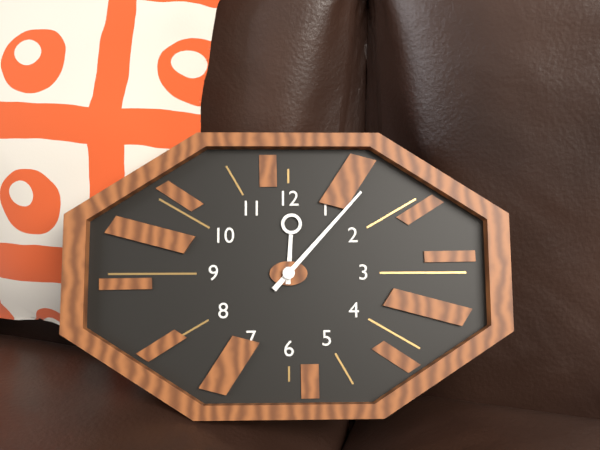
12:07
